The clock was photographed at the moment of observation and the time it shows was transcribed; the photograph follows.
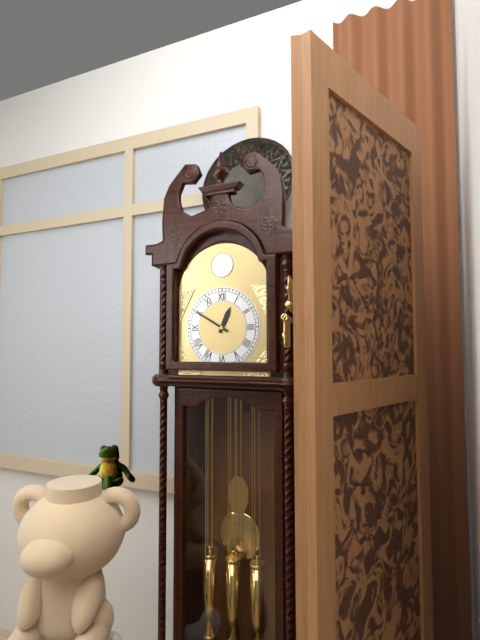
12:50
